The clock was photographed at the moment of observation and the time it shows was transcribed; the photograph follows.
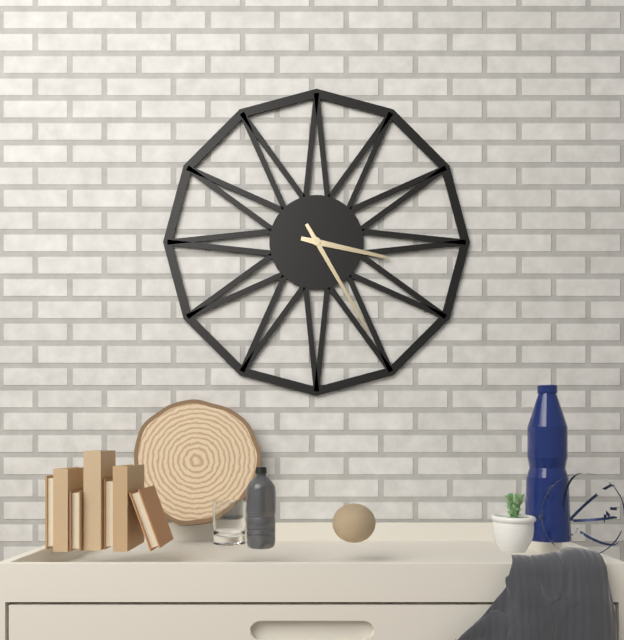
3:25
